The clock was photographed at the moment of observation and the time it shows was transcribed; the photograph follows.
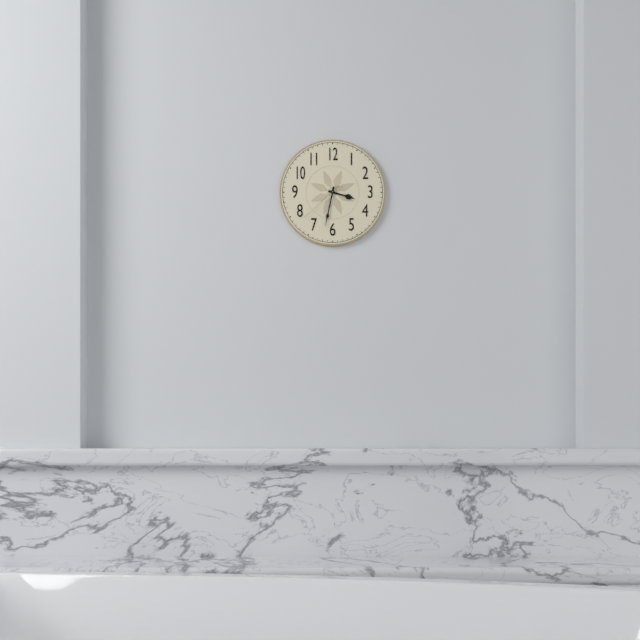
3:32
